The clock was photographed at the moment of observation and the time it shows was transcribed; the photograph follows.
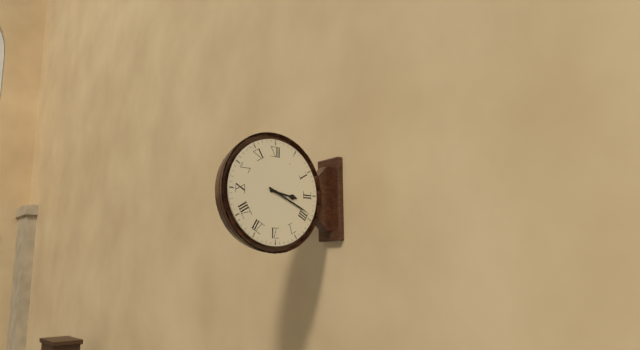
3:19
